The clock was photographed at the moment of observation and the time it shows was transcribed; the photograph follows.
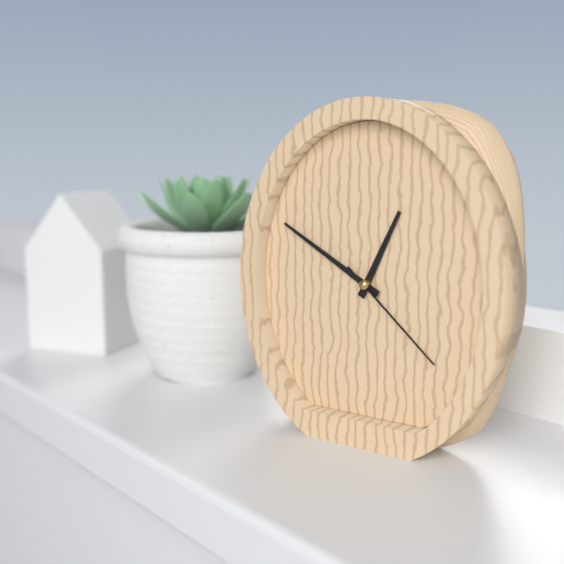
12:50:22
